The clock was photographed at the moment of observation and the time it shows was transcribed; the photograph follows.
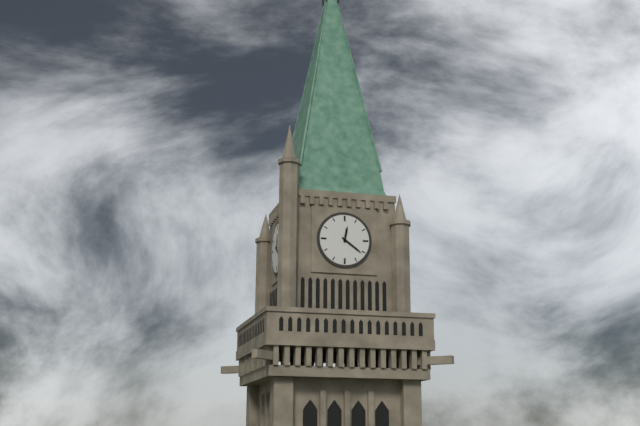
12:21
